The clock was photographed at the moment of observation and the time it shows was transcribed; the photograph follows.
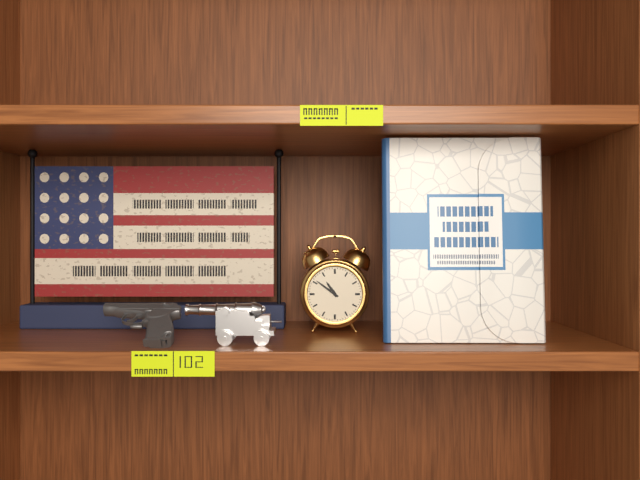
10:51
